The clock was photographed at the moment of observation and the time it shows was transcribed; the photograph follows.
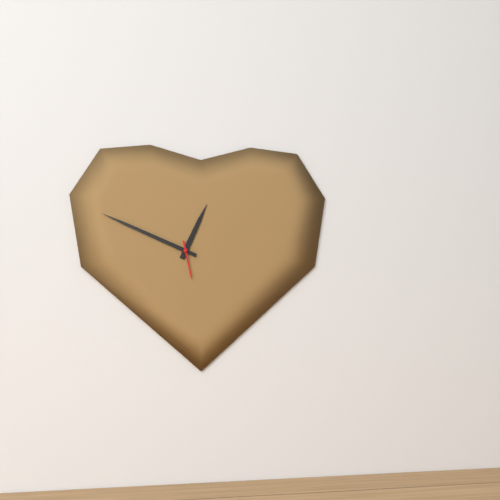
12:49
